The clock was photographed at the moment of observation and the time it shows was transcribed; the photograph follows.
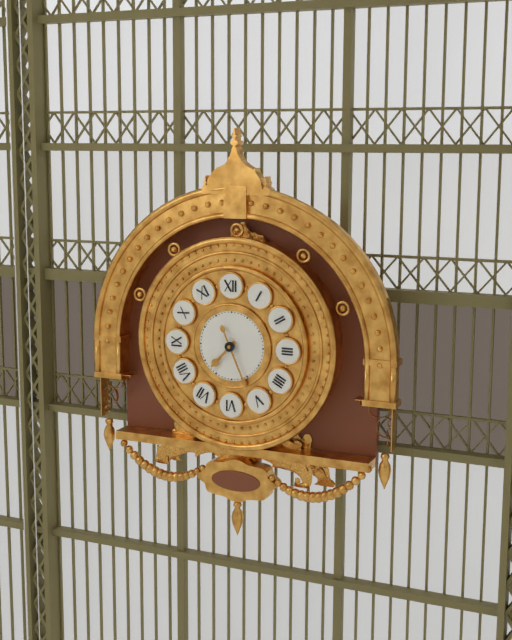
7:26
